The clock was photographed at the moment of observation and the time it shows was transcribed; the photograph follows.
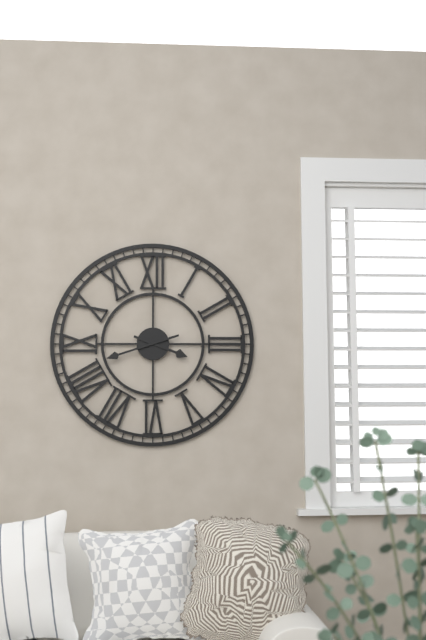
3:42
